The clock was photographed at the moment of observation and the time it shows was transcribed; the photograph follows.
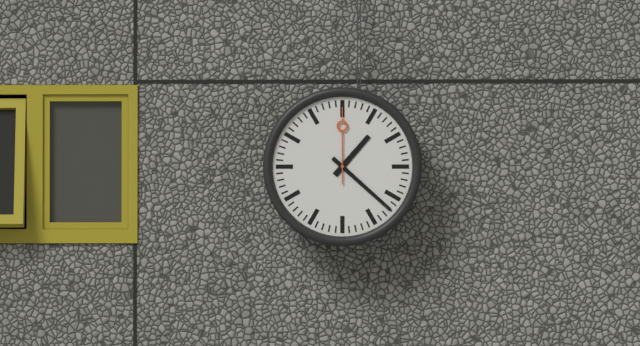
1:22:00
